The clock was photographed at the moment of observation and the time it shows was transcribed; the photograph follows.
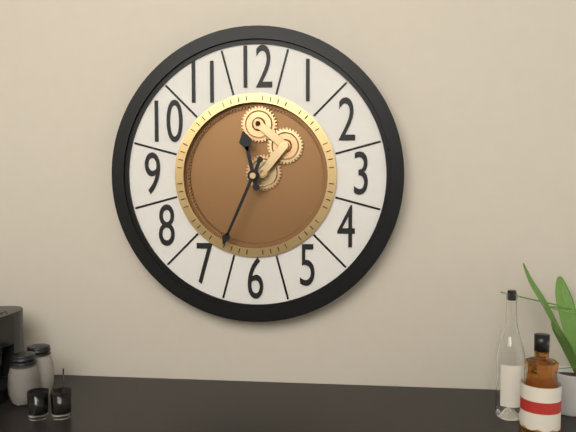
11:34
